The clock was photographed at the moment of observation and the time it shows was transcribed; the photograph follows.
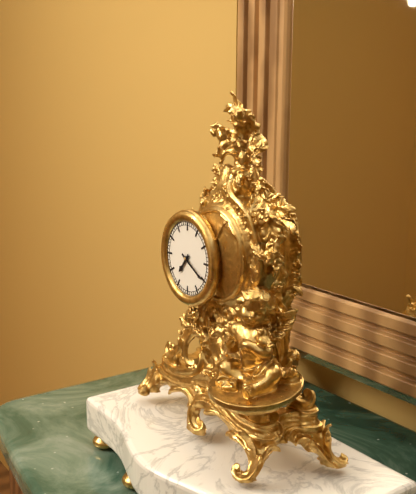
7:20
